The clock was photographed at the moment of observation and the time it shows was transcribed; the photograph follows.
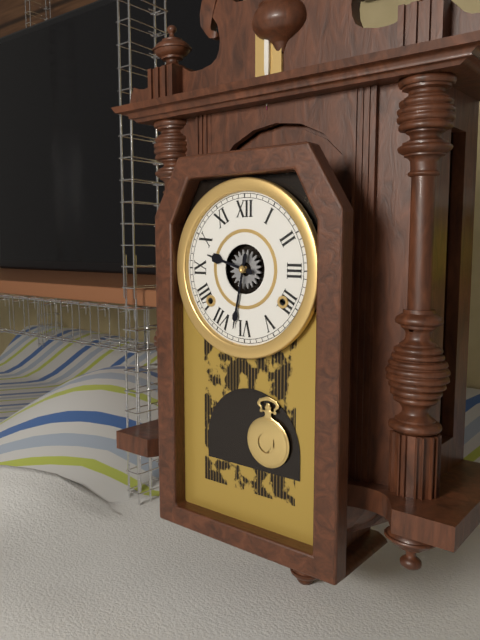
9:32
